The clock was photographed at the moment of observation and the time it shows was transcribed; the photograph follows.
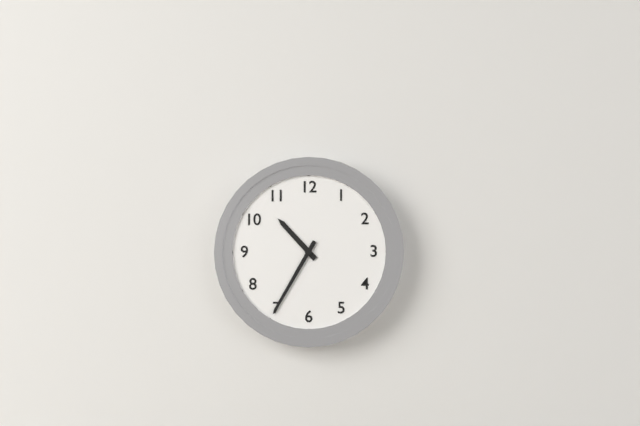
10:35
